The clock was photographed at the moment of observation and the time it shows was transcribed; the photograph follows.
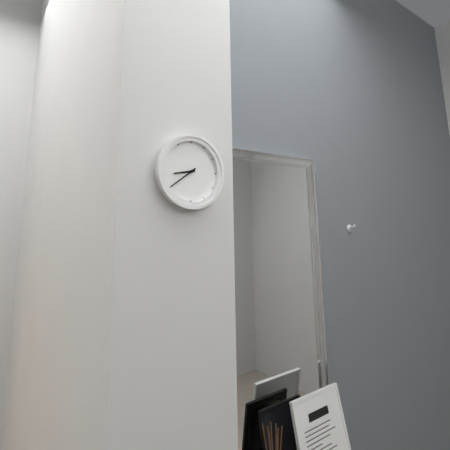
8:39
